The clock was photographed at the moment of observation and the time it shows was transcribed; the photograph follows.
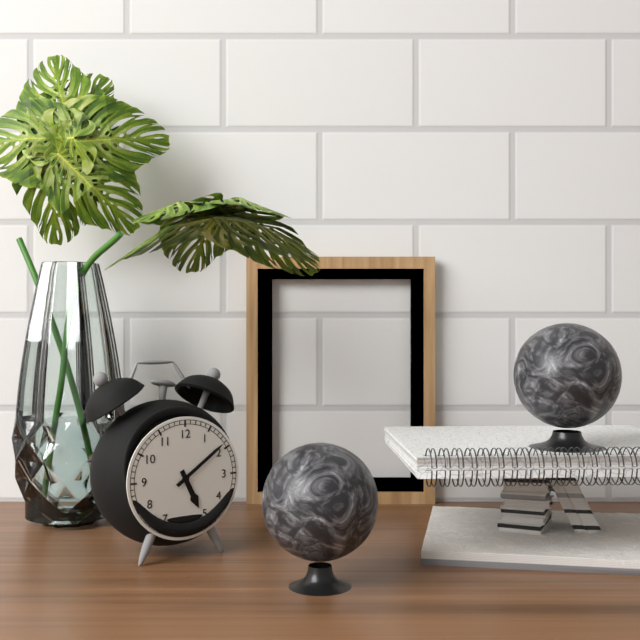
5:09
